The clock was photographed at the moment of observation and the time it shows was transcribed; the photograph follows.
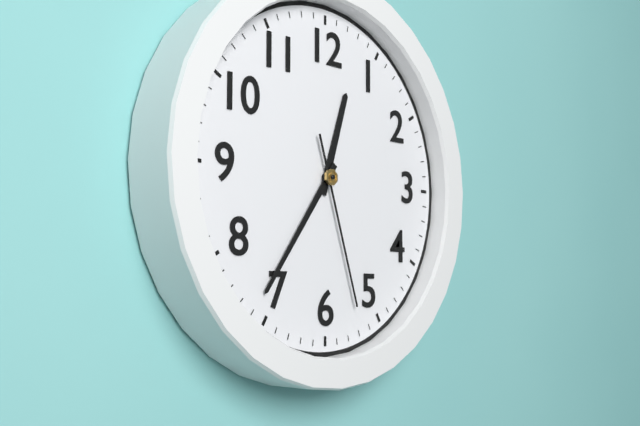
12:36:27
